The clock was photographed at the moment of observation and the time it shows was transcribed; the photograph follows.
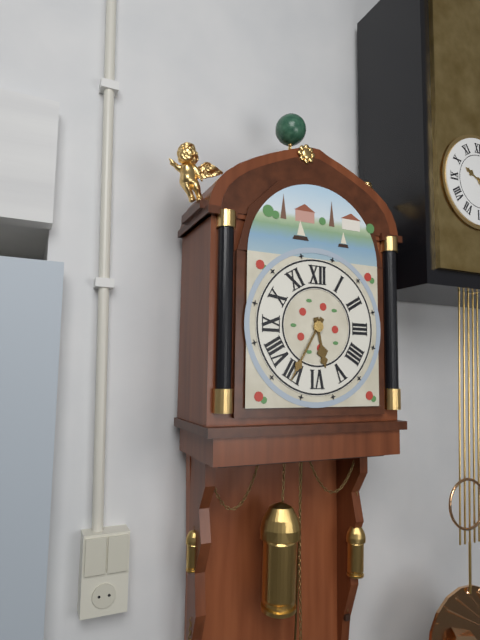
5:35
